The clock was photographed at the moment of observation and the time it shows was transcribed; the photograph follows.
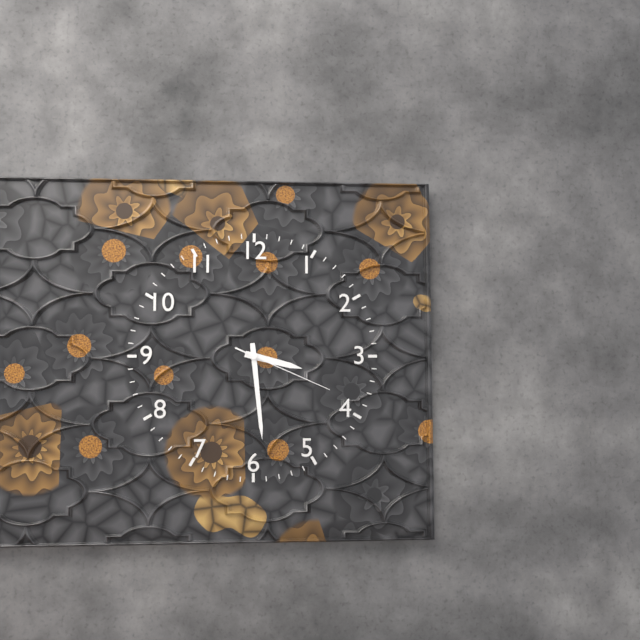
3:29:19
